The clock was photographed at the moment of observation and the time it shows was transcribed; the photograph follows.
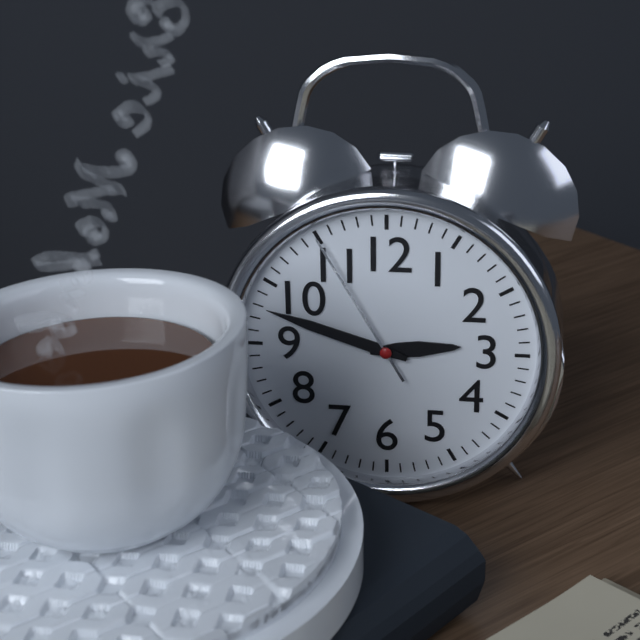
2:48:55
